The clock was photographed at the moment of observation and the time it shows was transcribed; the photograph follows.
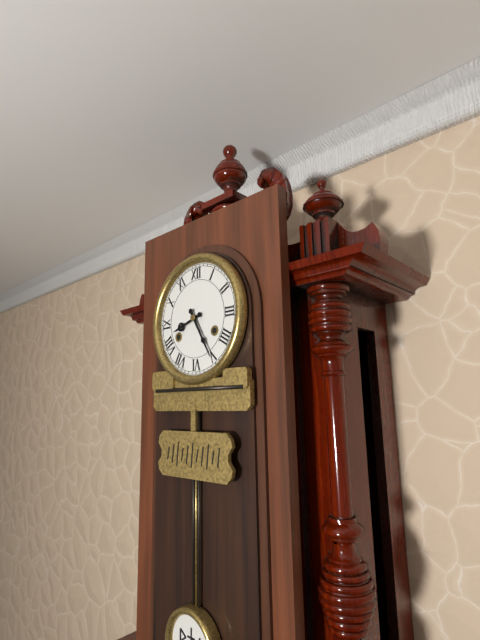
8:25
